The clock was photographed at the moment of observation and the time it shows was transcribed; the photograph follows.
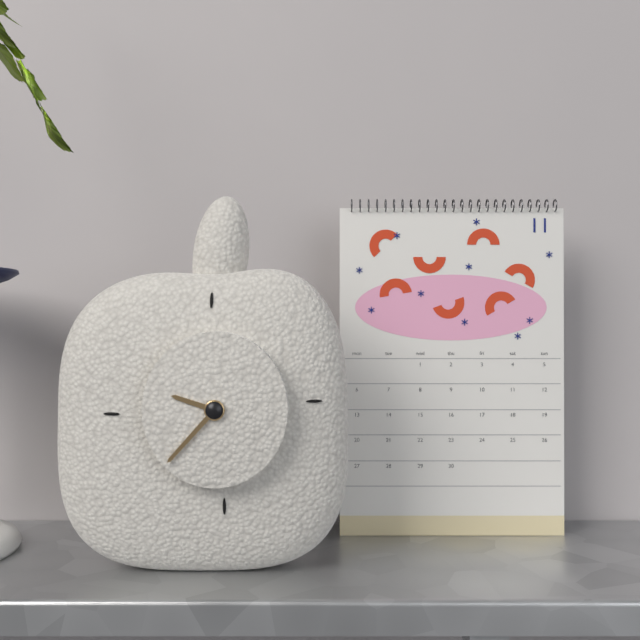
9:37
